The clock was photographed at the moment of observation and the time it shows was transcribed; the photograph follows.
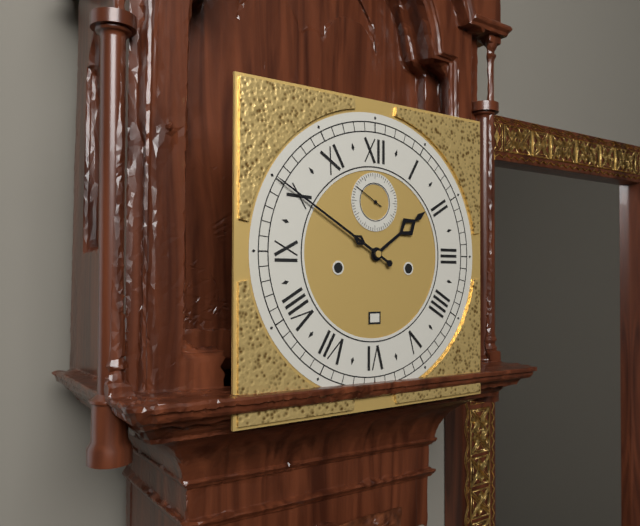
1:50
